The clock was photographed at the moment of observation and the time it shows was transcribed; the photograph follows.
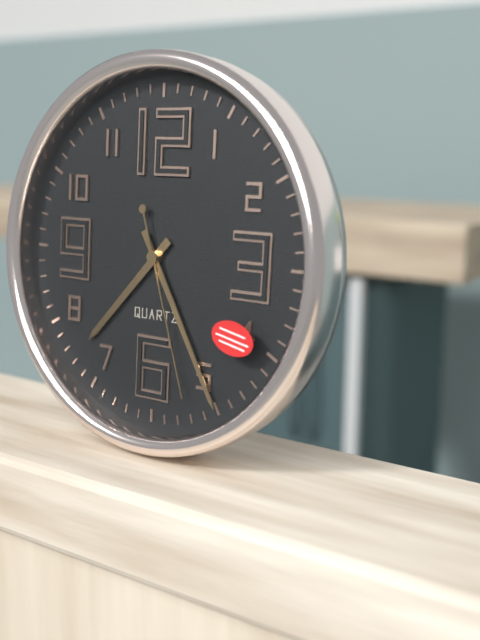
7:25:27
